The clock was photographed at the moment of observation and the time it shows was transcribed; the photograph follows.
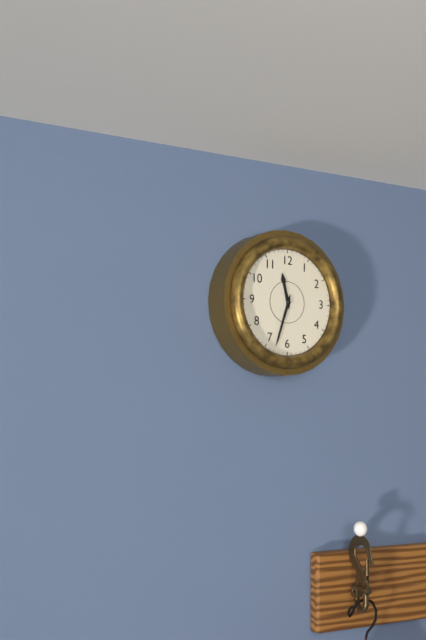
11:33
